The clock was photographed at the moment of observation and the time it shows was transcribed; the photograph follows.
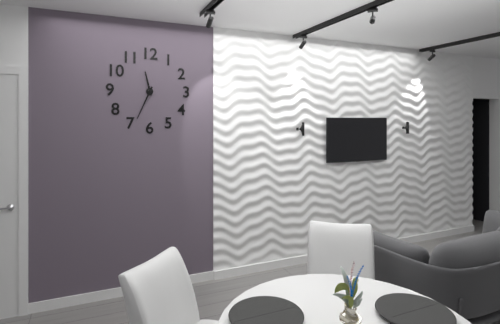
11:34
